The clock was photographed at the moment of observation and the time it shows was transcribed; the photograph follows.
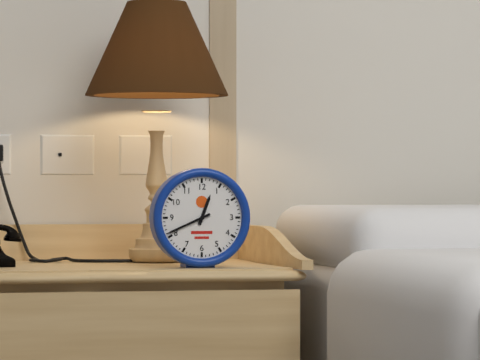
12:41
